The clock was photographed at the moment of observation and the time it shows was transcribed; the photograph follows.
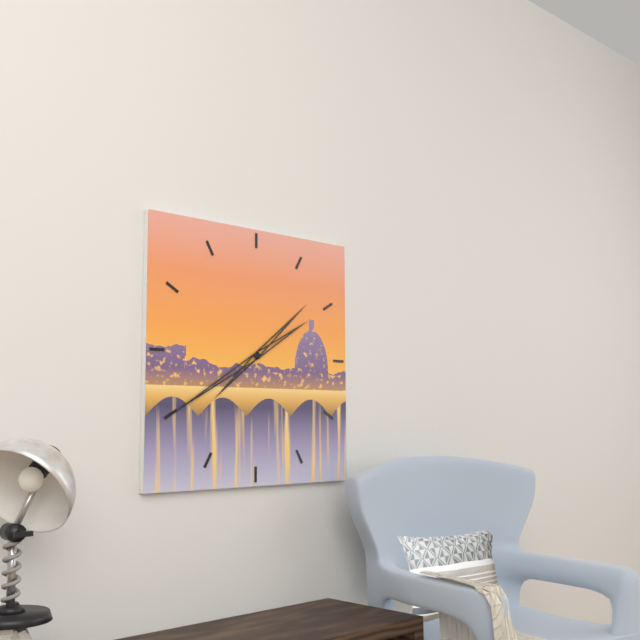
1:40
